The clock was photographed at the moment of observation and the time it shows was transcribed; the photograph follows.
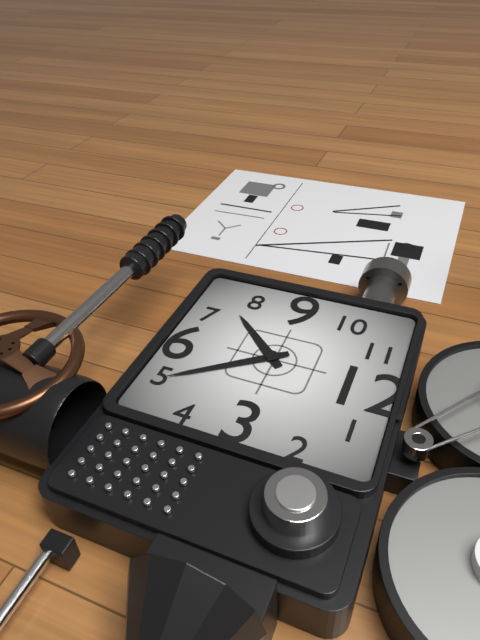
7:24
